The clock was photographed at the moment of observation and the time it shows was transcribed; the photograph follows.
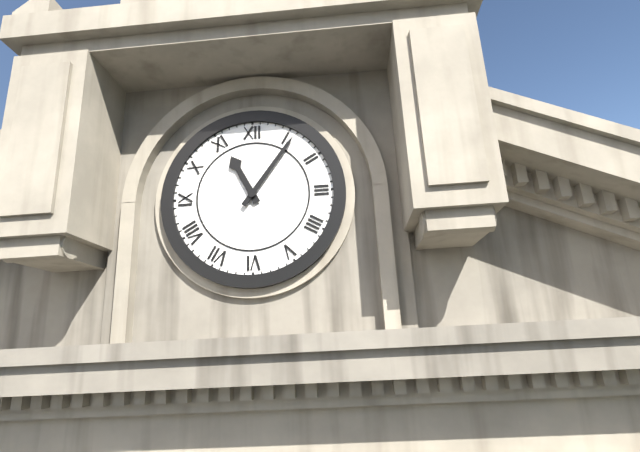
11:06
